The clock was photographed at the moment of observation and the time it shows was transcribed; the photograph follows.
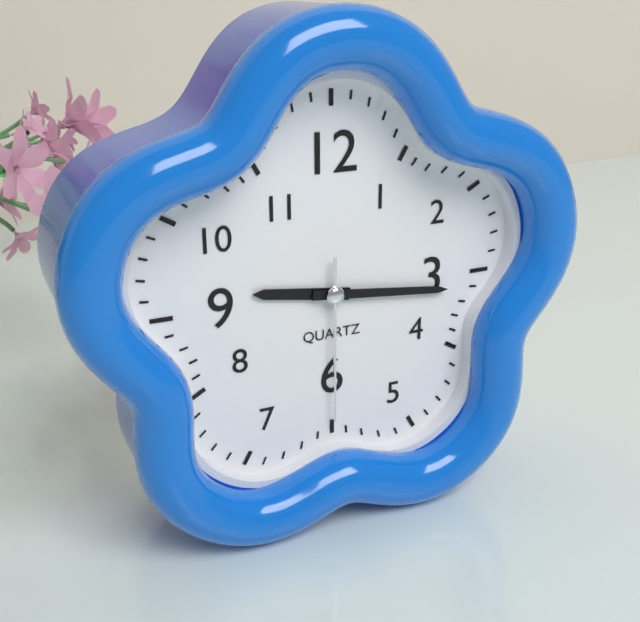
9:16:30
